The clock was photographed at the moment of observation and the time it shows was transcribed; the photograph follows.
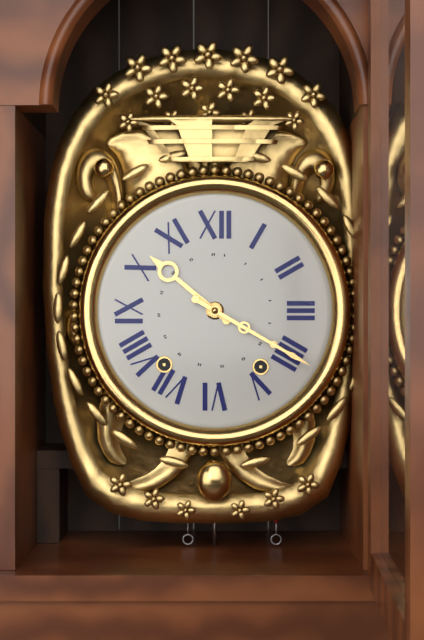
10:20
